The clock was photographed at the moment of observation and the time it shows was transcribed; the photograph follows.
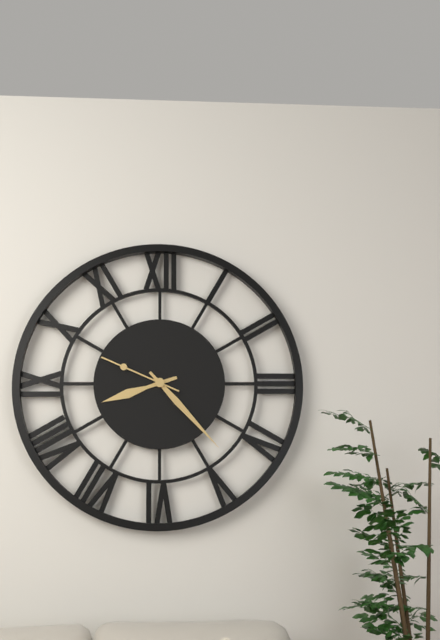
8:23:49
